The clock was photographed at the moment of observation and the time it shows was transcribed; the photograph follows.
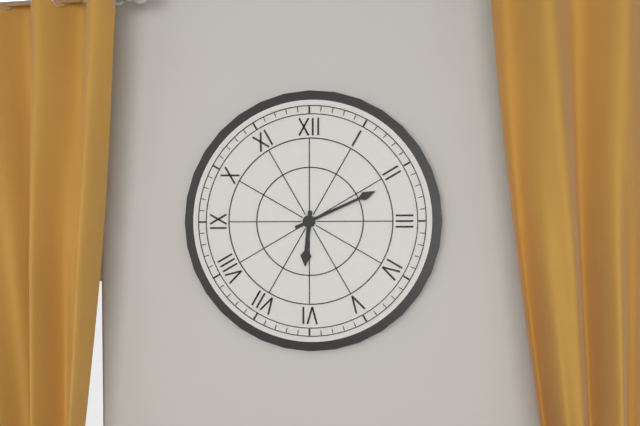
6:11
